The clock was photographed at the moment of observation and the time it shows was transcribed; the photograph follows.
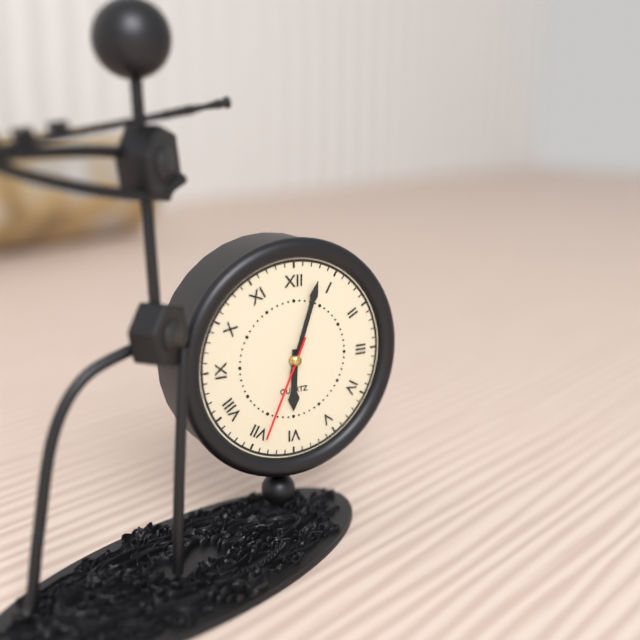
6:03:34
